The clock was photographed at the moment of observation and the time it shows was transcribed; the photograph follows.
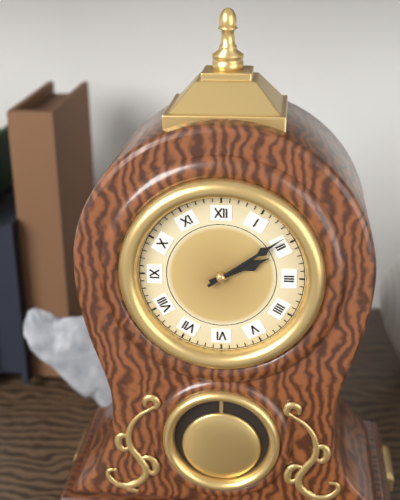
2:09
